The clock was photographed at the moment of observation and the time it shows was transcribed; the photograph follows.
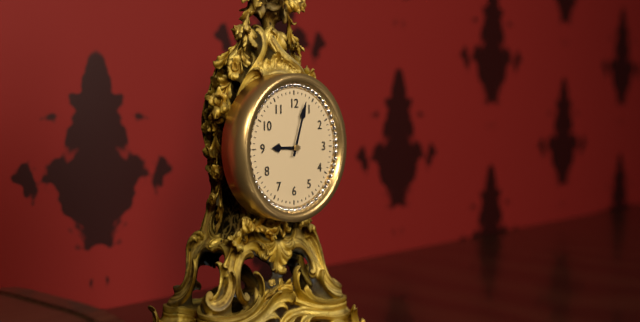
9:03
